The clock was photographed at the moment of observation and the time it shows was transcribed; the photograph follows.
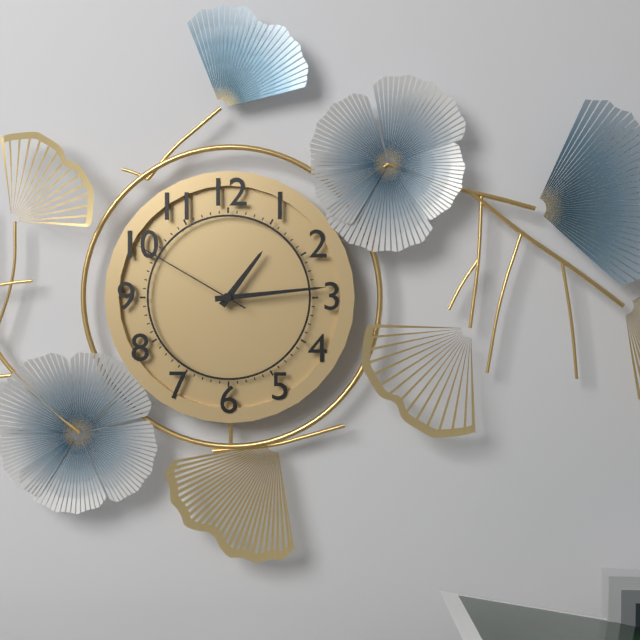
1:14:50
